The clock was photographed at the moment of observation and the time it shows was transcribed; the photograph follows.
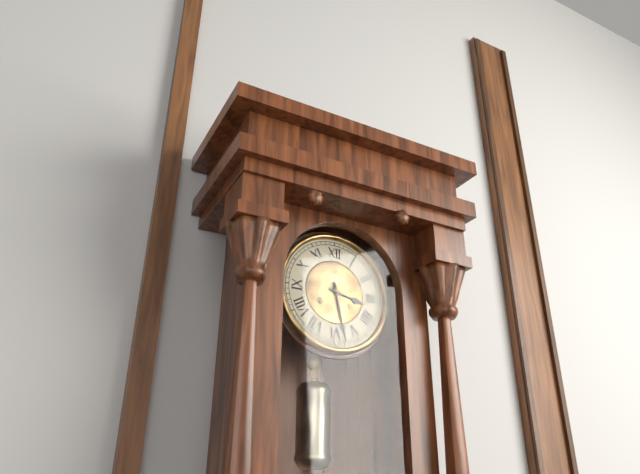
3:28
